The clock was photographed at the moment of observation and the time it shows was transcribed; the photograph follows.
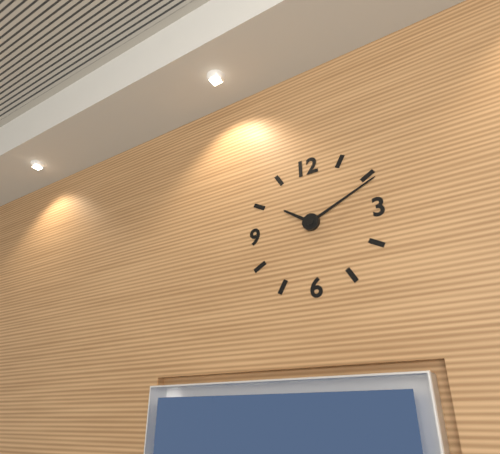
10:11
